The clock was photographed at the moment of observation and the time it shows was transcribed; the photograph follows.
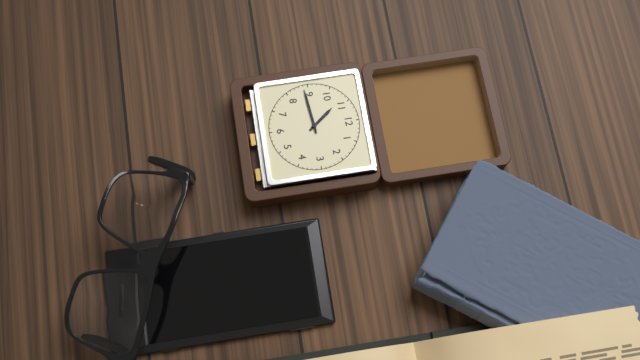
10:44
